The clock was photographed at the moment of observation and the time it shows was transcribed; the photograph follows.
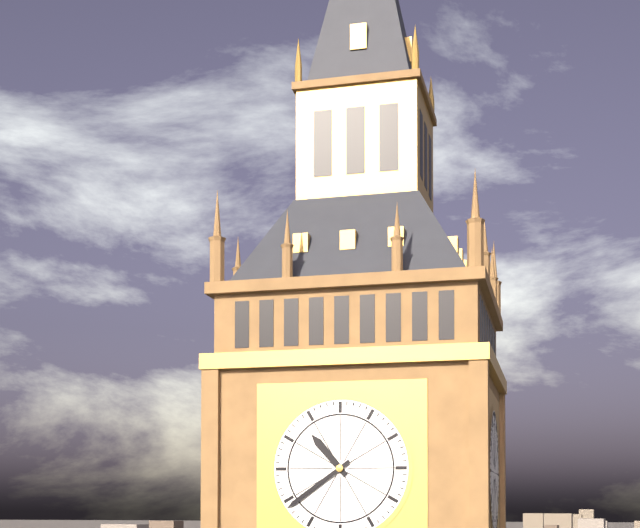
10:39
